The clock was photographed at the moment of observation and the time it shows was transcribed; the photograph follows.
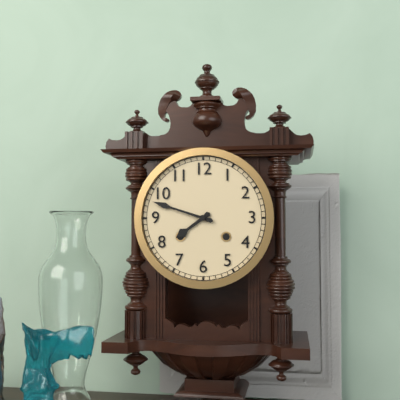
7:48
